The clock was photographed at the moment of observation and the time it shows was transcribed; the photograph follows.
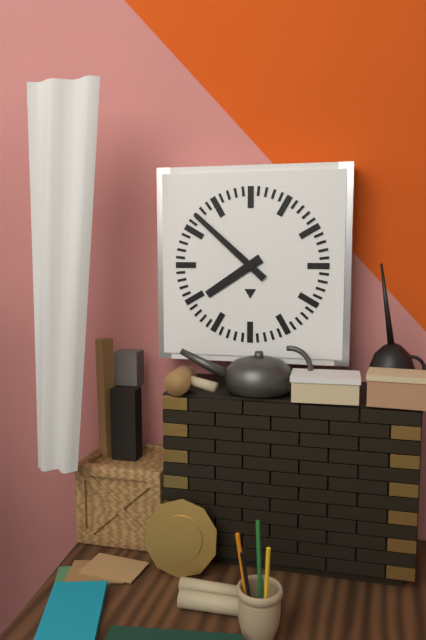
7:52
